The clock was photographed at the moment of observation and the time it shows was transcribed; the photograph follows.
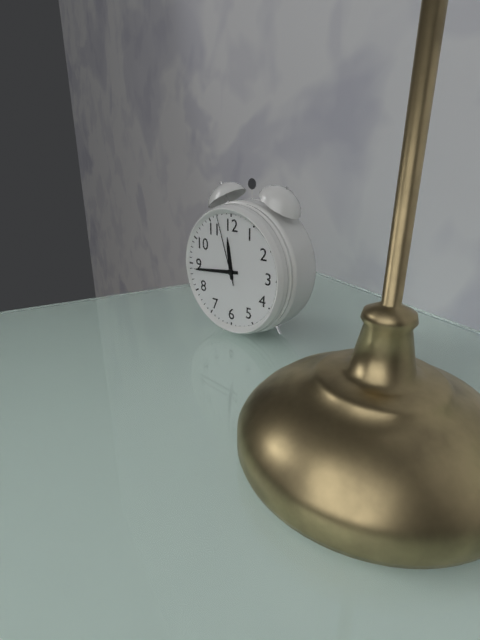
11:44:57
